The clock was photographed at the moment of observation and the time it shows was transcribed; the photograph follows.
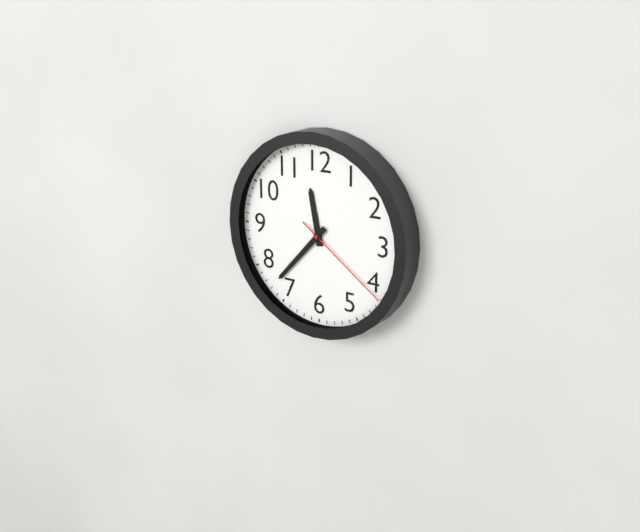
11:37:21
